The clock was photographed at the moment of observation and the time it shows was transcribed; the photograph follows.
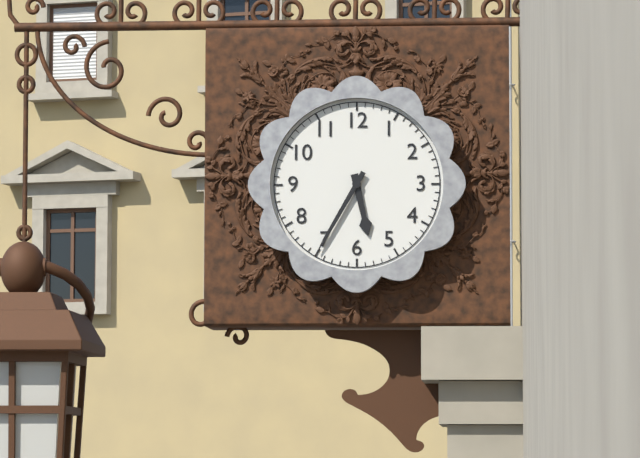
5:35
